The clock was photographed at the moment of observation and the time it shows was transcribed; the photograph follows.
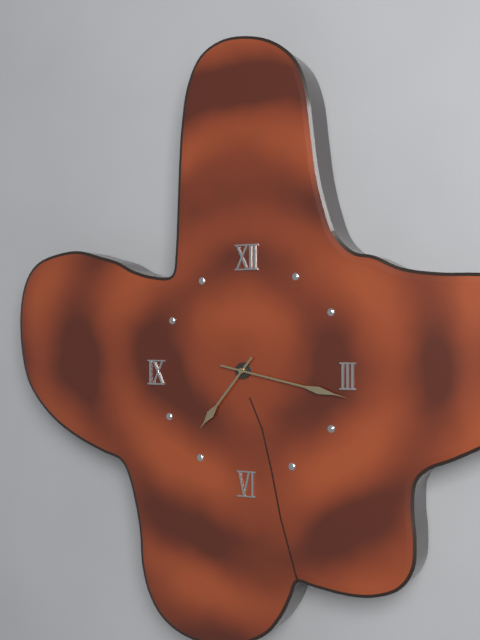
7:17
